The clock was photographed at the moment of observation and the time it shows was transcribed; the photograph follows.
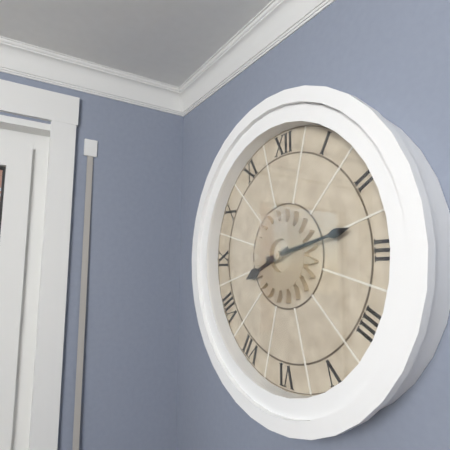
8:13
